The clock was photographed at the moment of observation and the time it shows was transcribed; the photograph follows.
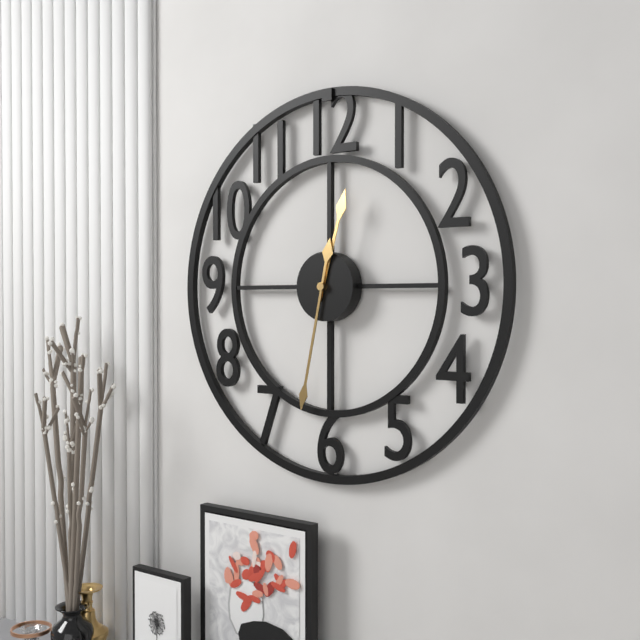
12:32
